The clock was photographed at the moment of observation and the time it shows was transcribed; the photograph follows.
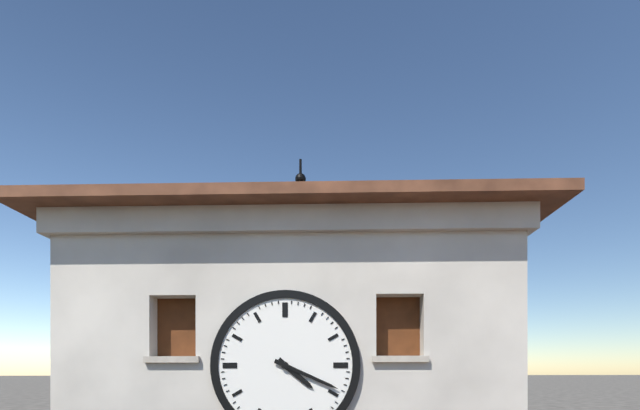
4:19
